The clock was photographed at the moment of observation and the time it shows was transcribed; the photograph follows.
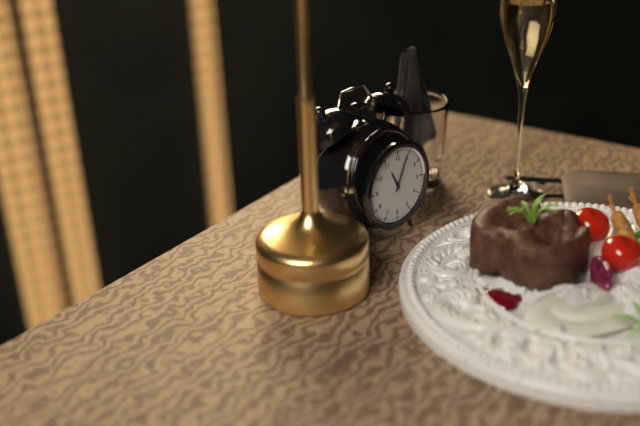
11:04
